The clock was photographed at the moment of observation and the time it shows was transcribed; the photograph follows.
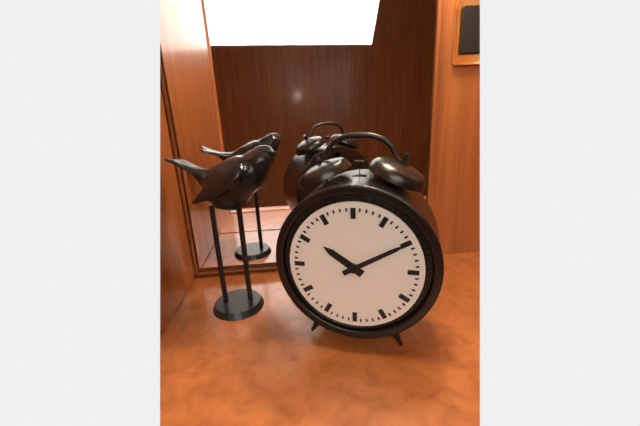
10:10
